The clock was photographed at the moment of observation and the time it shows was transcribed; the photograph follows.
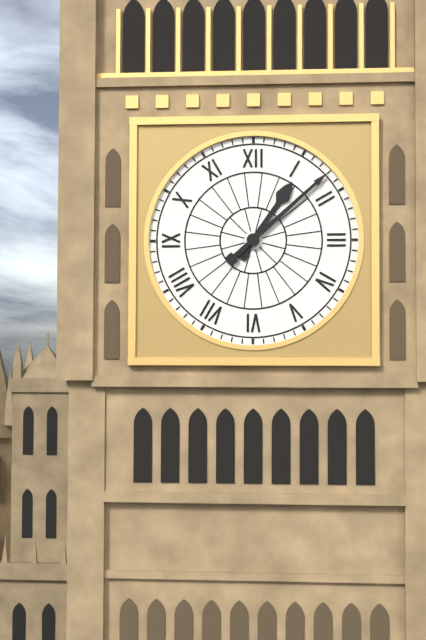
1:08
